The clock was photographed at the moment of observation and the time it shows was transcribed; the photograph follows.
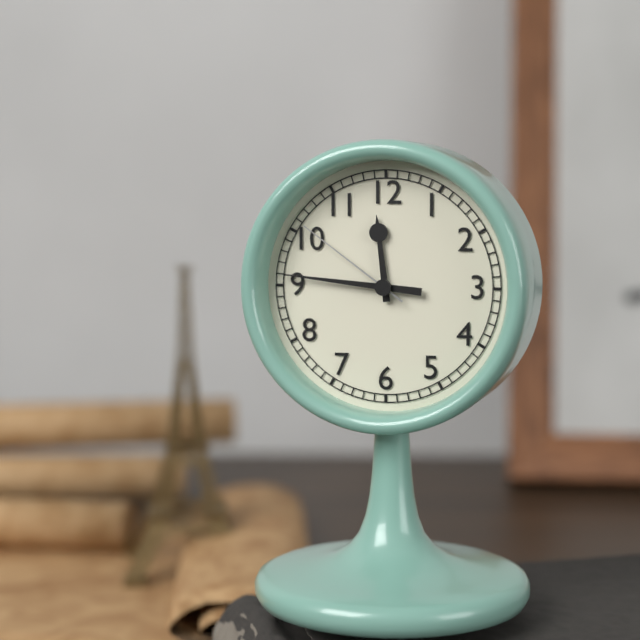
11:46:51
